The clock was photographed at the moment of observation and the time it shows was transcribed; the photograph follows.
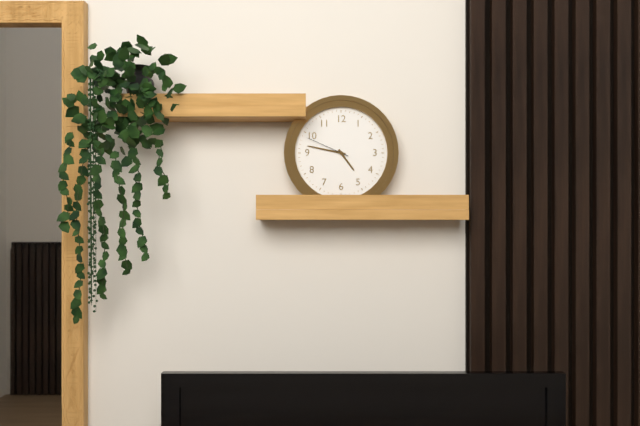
4:47
